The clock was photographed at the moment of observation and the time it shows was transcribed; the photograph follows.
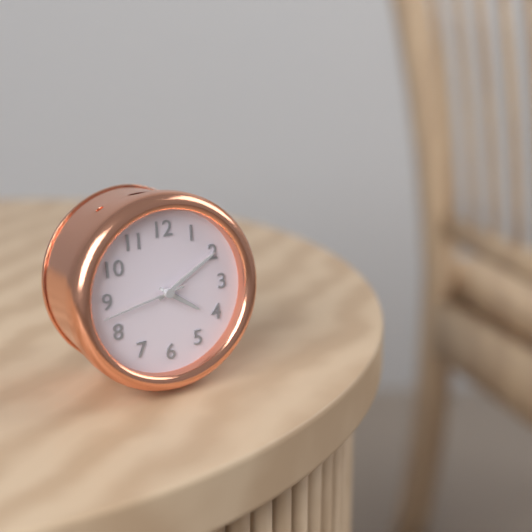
4:10:43
